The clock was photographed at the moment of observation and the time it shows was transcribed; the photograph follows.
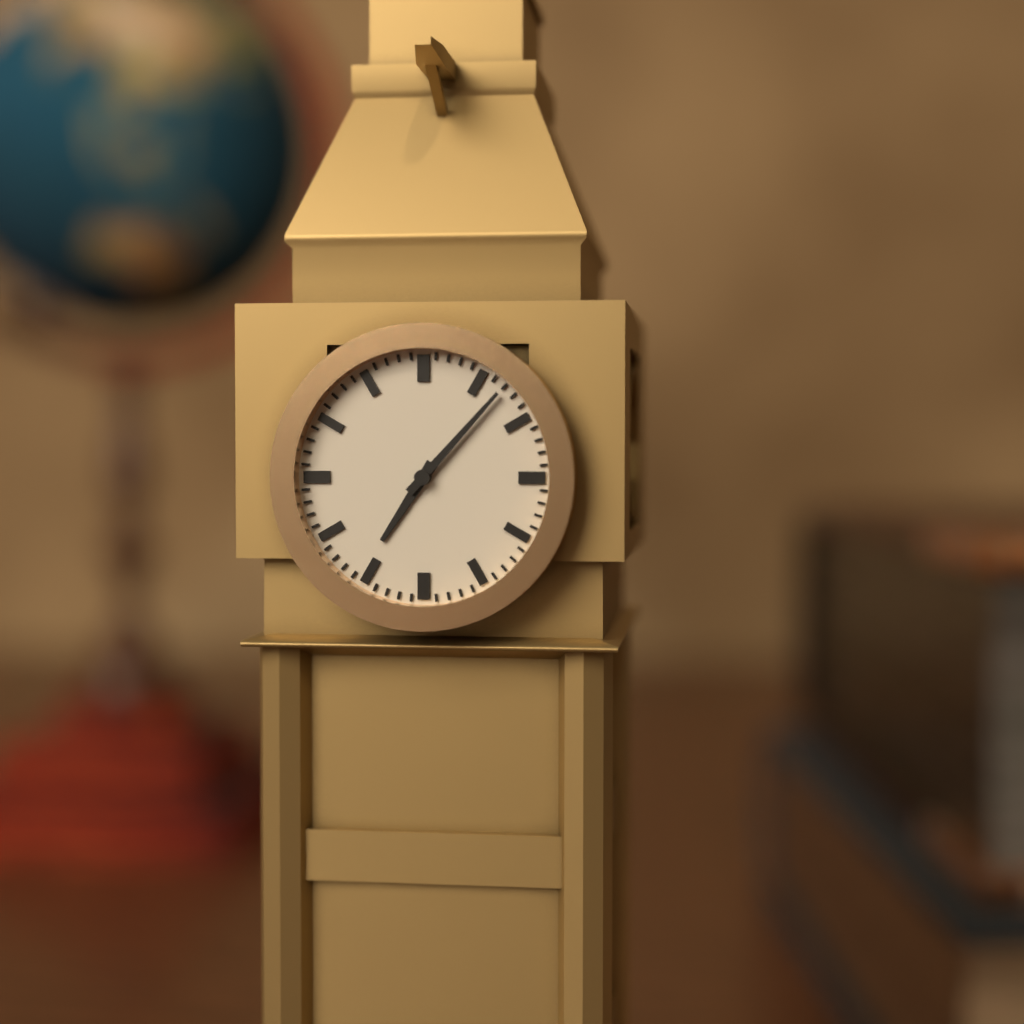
7:07
